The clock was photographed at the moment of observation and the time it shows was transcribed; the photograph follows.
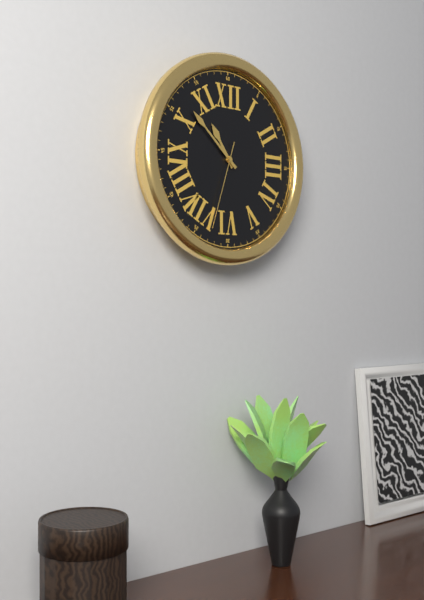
10:52:33
